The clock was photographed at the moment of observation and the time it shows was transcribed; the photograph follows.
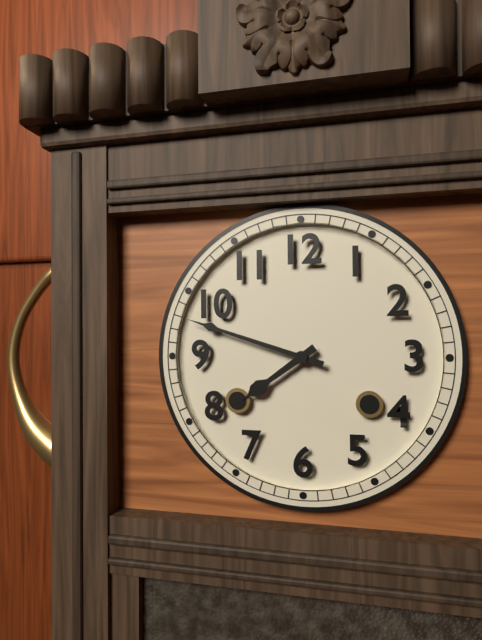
7:48
